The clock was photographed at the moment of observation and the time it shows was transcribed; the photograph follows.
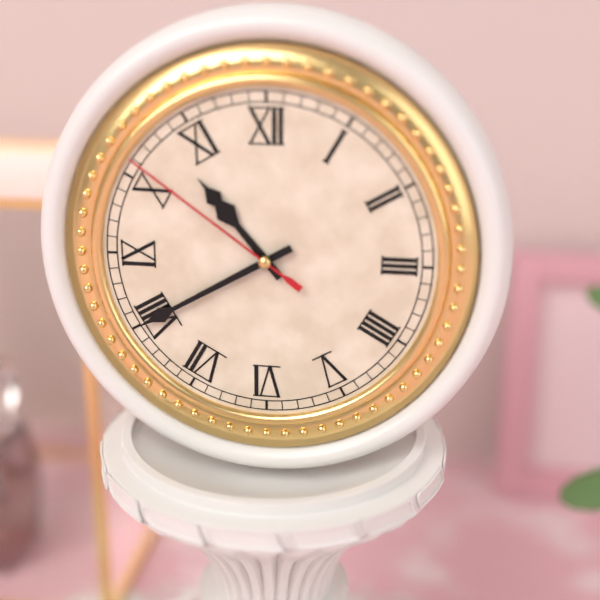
10:40:51
